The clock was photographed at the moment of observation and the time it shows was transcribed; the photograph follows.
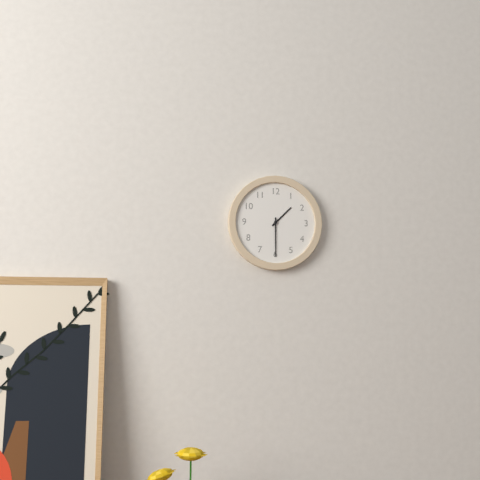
1:30
